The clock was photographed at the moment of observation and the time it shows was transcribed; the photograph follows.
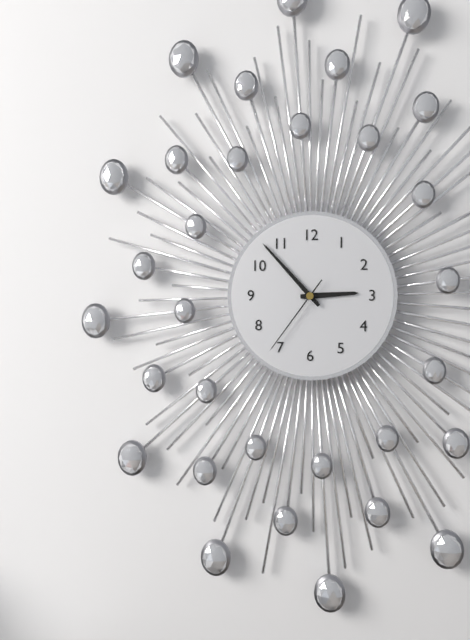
2:53:36
